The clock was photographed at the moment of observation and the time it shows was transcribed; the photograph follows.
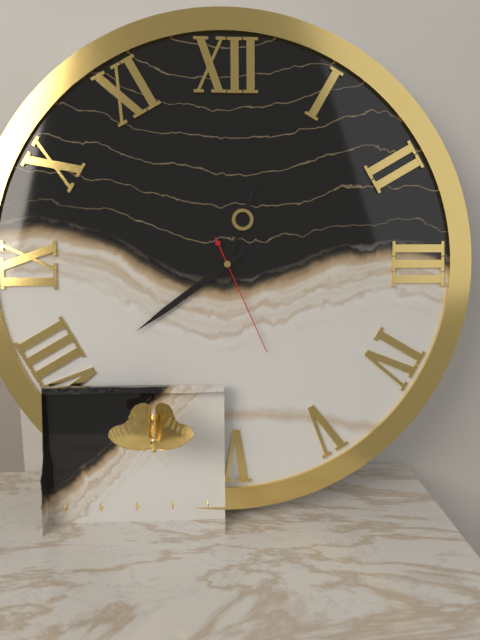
12:39:26
